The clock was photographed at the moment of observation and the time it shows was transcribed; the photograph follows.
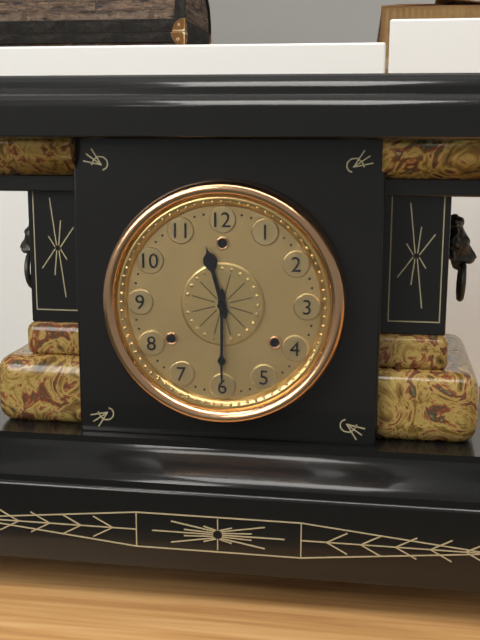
11:30
